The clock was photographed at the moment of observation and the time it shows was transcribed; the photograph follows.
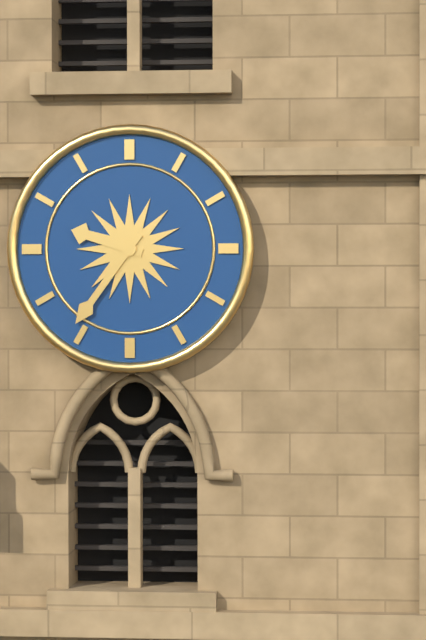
9:36
